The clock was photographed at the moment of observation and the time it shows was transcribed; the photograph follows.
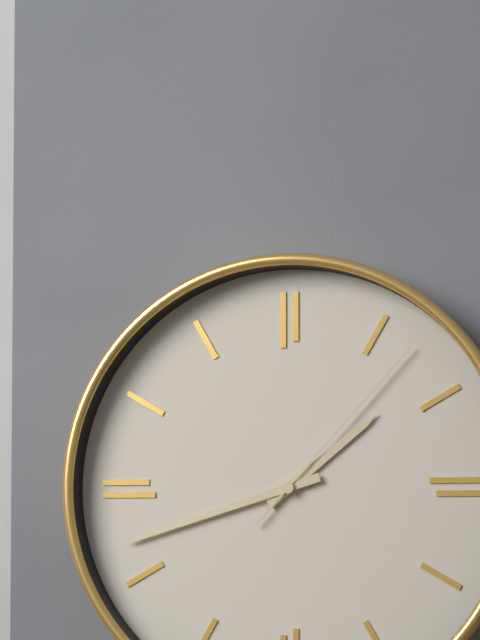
1:42:07
